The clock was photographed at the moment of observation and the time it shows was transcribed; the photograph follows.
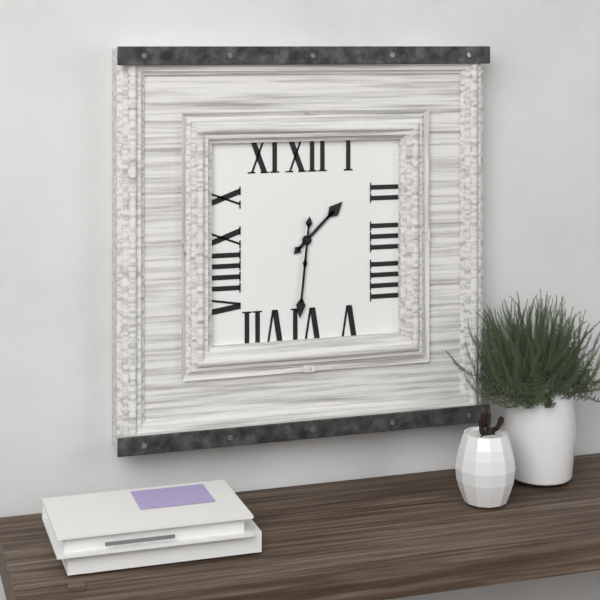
1:31
